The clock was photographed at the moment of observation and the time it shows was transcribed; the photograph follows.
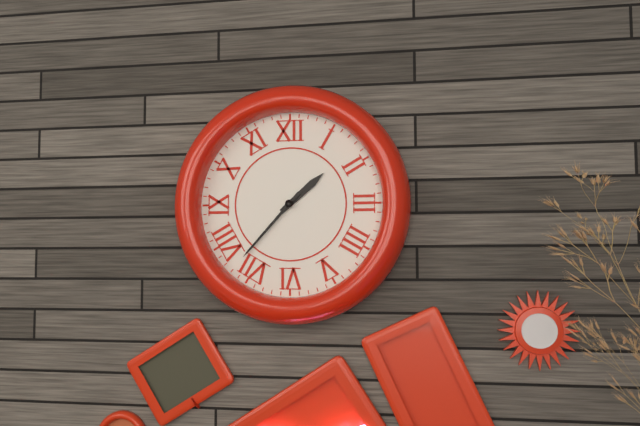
1:37
